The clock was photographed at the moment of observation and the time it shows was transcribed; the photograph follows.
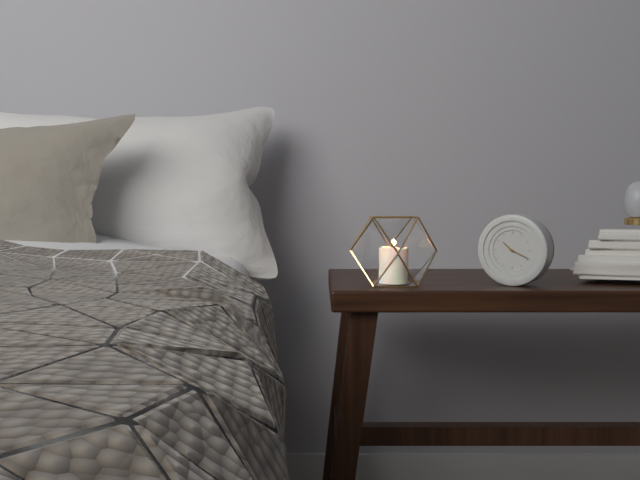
10:19
